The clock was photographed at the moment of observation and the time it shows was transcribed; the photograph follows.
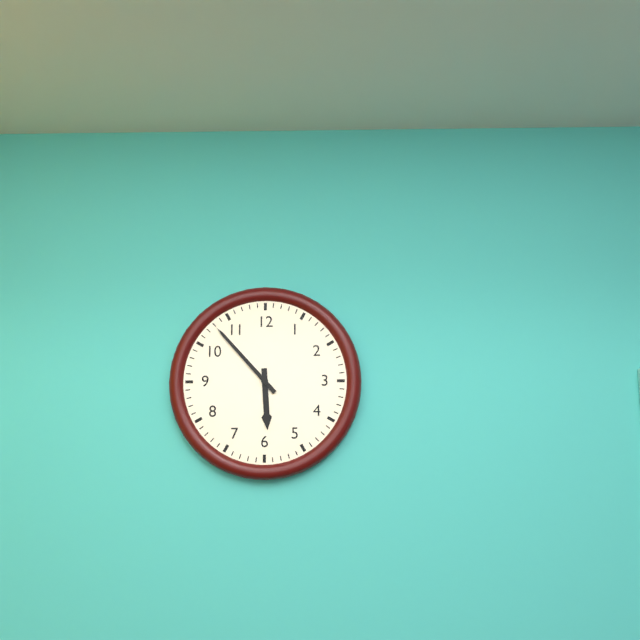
5:53
